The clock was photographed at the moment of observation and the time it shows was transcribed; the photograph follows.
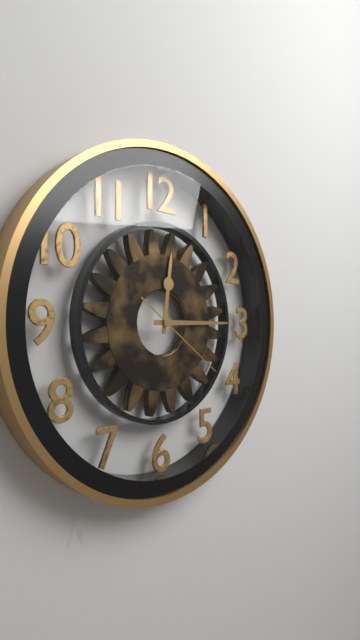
12:15:21
